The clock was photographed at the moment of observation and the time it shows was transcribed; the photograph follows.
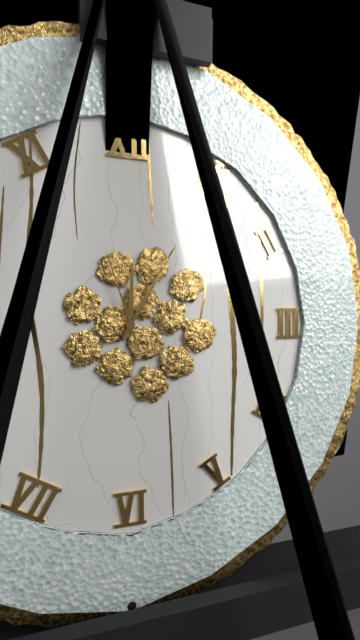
12:05:57
